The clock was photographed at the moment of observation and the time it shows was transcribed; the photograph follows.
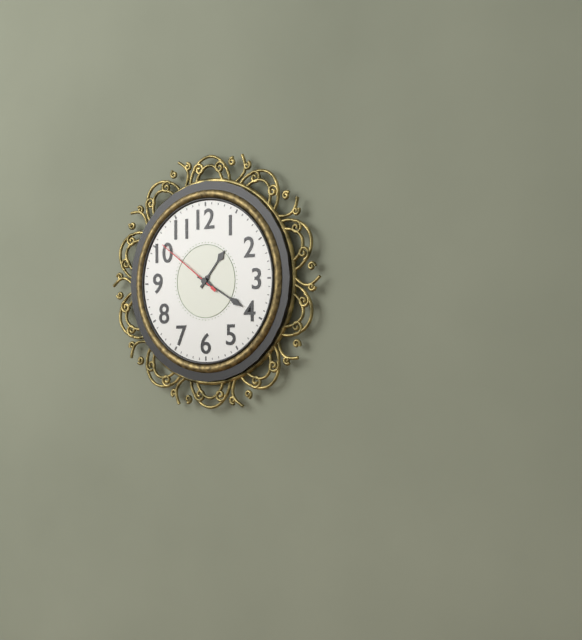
1:20:51
